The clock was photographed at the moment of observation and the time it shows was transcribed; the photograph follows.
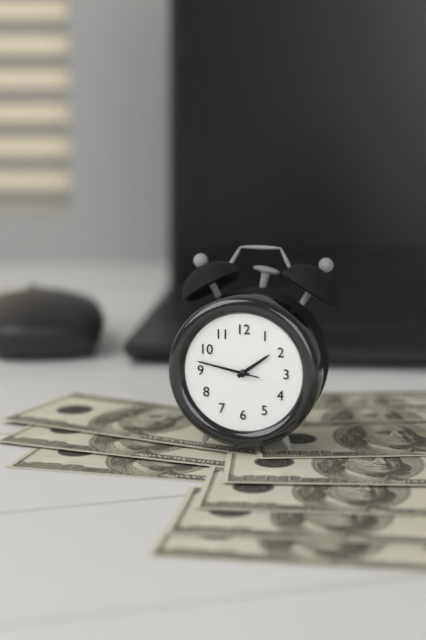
1:47:47
